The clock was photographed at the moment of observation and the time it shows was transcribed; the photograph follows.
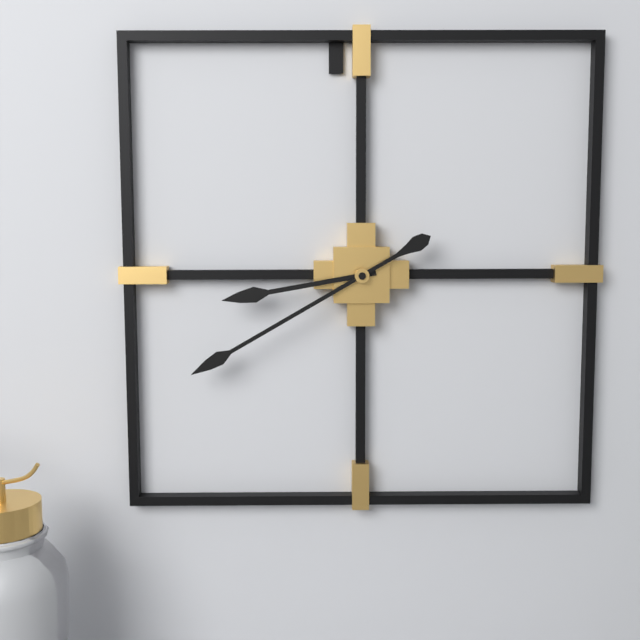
8:40
